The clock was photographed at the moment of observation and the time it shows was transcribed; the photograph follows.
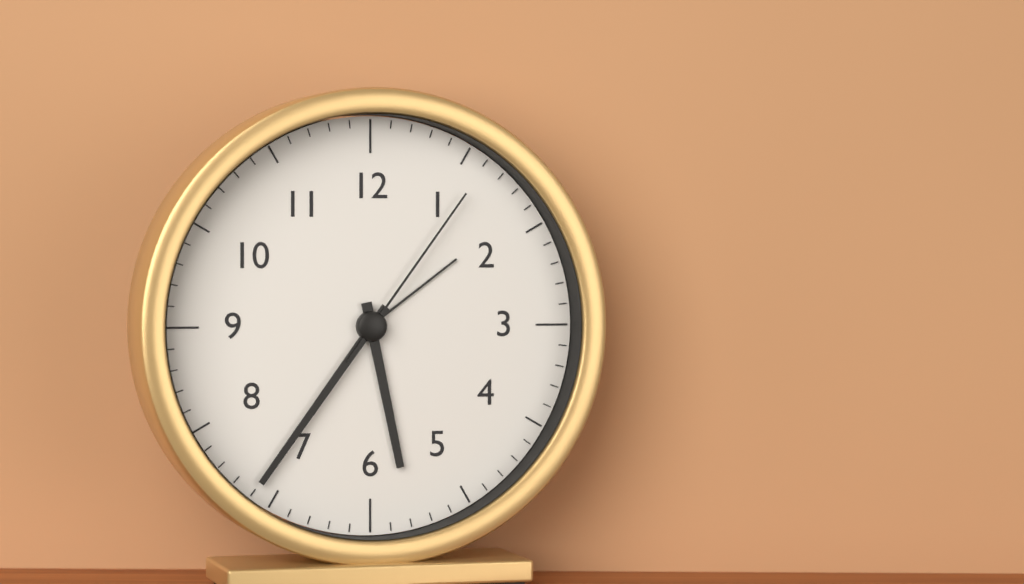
5:36:06
